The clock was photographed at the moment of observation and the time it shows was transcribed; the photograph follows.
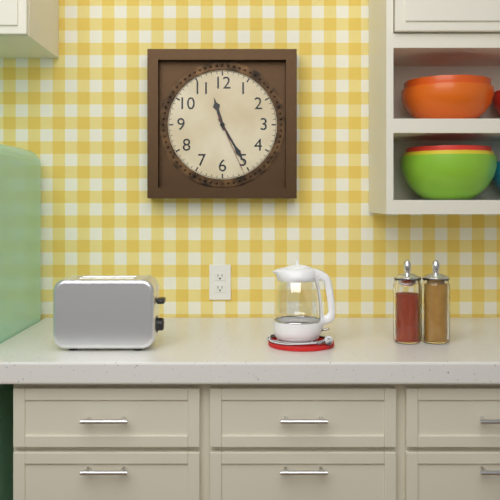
11:25:26
